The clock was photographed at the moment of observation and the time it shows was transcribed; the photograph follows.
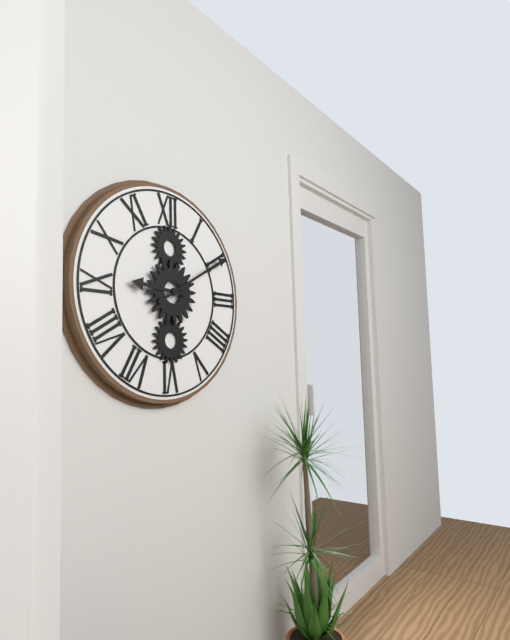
9:10
